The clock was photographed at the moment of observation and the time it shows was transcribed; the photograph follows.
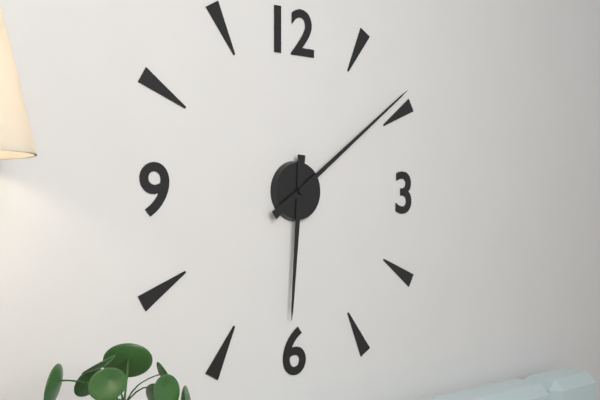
6:09
